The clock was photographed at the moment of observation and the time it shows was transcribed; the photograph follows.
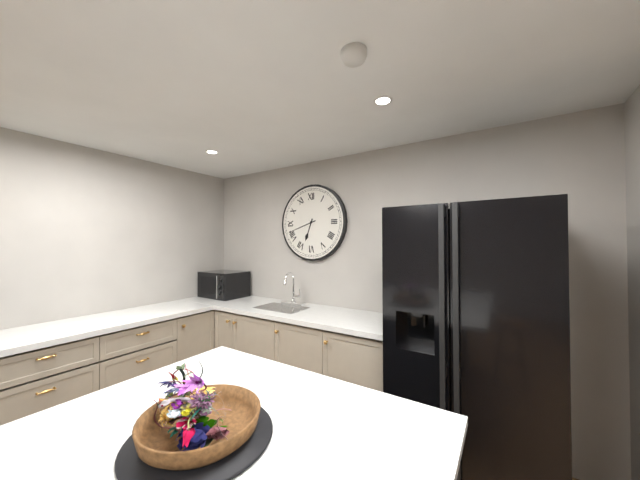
6:42
